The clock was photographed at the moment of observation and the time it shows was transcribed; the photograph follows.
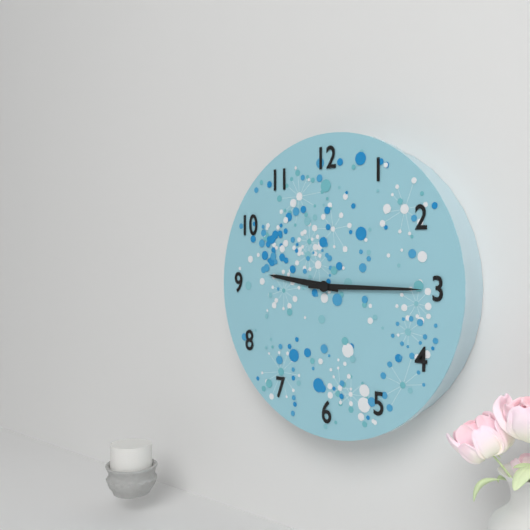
9:15
